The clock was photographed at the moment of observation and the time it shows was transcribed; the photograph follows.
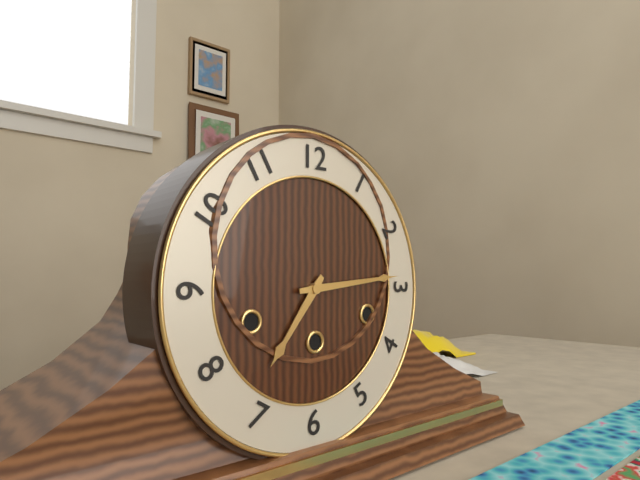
7:14
